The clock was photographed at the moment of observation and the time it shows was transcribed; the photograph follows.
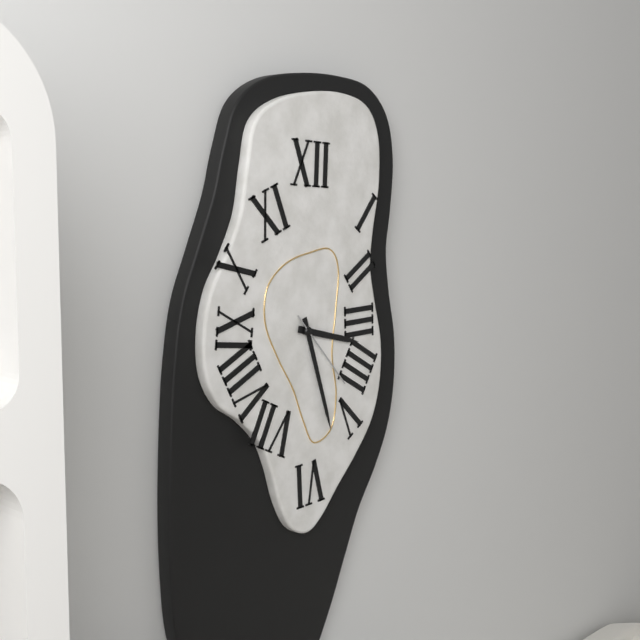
3:27:23
